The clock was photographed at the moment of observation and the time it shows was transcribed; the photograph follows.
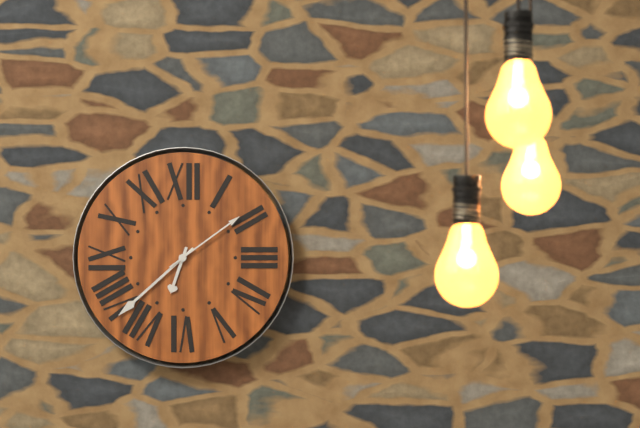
6:38:09
